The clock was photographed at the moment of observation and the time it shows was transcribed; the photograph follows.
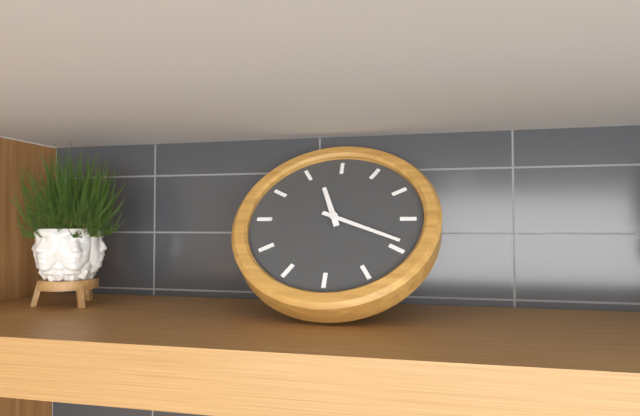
11:19
